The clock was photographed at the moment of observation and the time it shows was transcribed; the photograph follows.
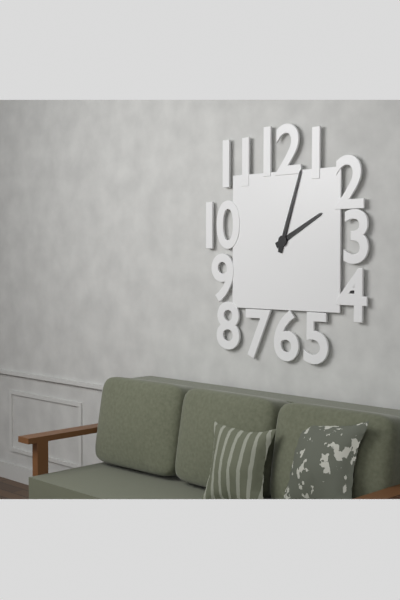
2:03
